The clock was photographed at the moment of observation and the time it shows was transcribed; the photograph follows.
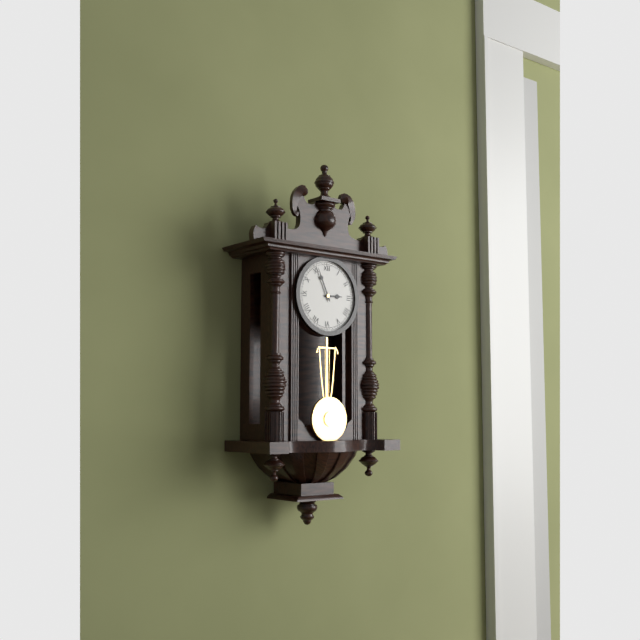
2:56
